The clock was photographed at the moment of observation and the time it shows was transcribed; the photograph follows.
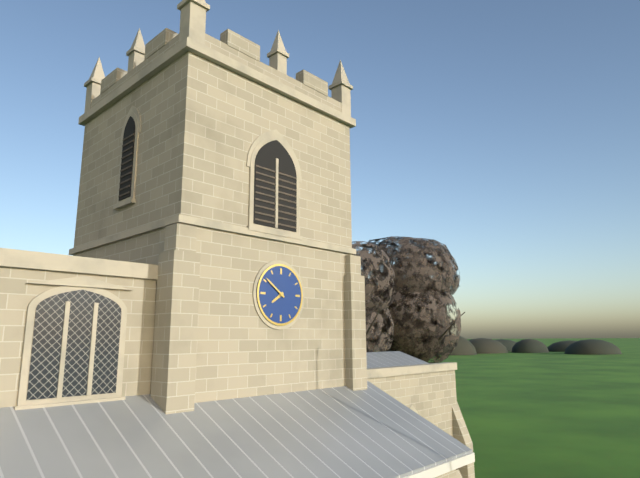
7:51
